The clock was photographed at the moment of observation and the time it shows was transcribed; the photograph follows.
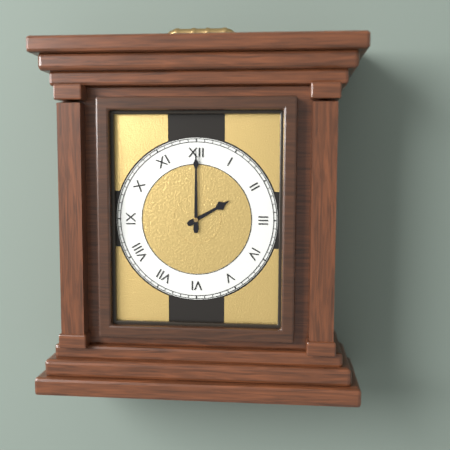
2:00
